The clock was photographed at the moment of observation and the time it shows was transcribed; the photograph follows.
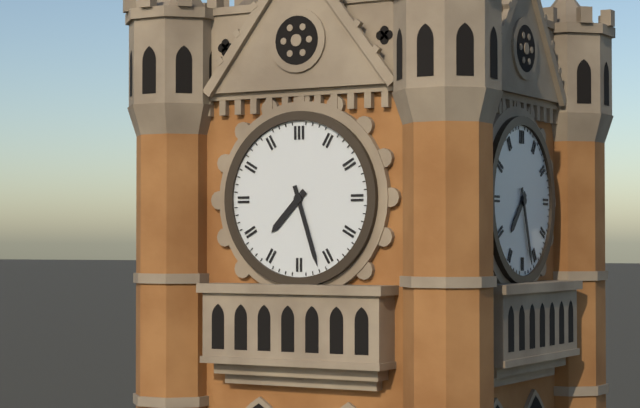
7:27
